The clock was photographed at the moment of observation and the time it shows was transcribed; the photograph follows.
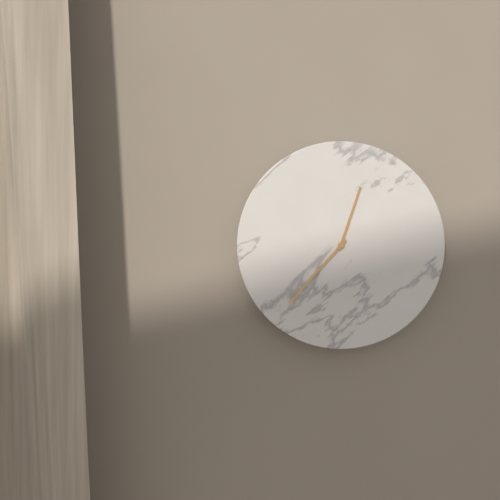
12:37
